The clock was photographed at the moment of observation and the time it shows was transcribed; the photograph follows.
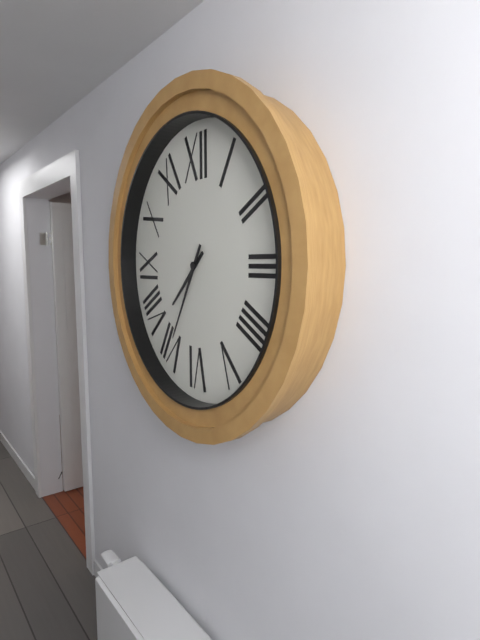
7:35
